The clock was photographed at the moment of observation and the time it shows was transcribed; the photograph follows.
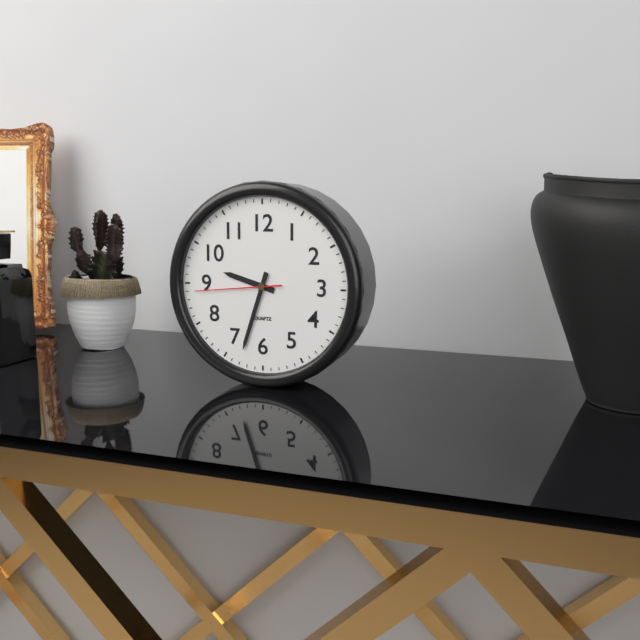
9:33:44
